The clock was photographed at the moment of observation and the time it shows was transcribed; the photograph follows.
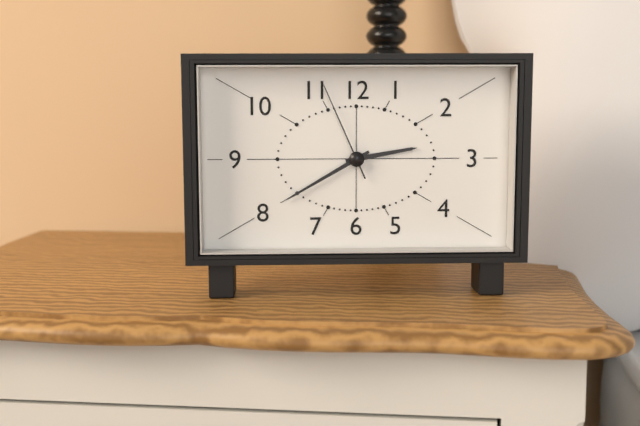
2:40:56
